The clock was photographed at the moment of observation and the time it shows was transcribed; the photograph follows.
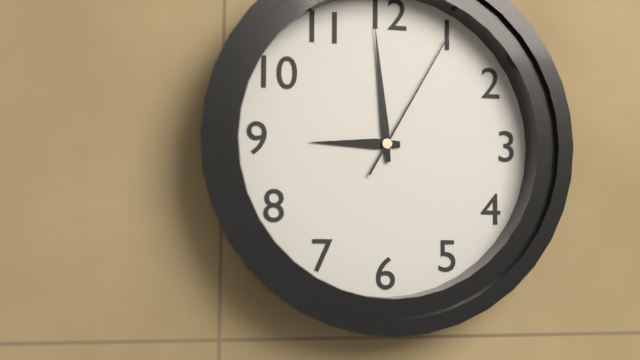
8:59:05
